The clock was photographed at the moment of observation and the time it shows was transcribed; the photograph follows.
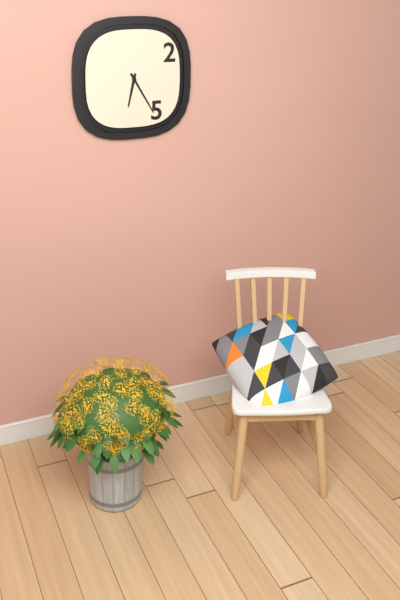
6:25
